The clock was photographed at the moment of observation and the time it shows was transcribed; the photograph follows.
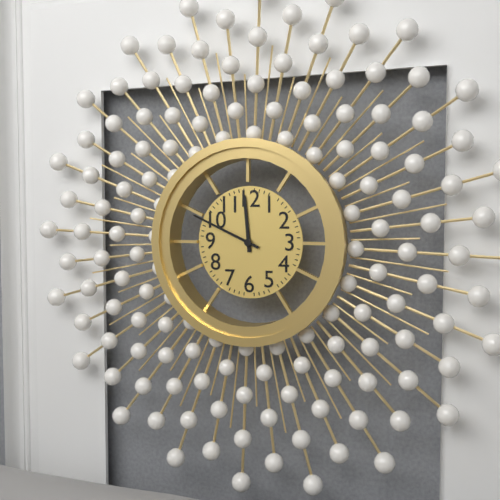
11:49
